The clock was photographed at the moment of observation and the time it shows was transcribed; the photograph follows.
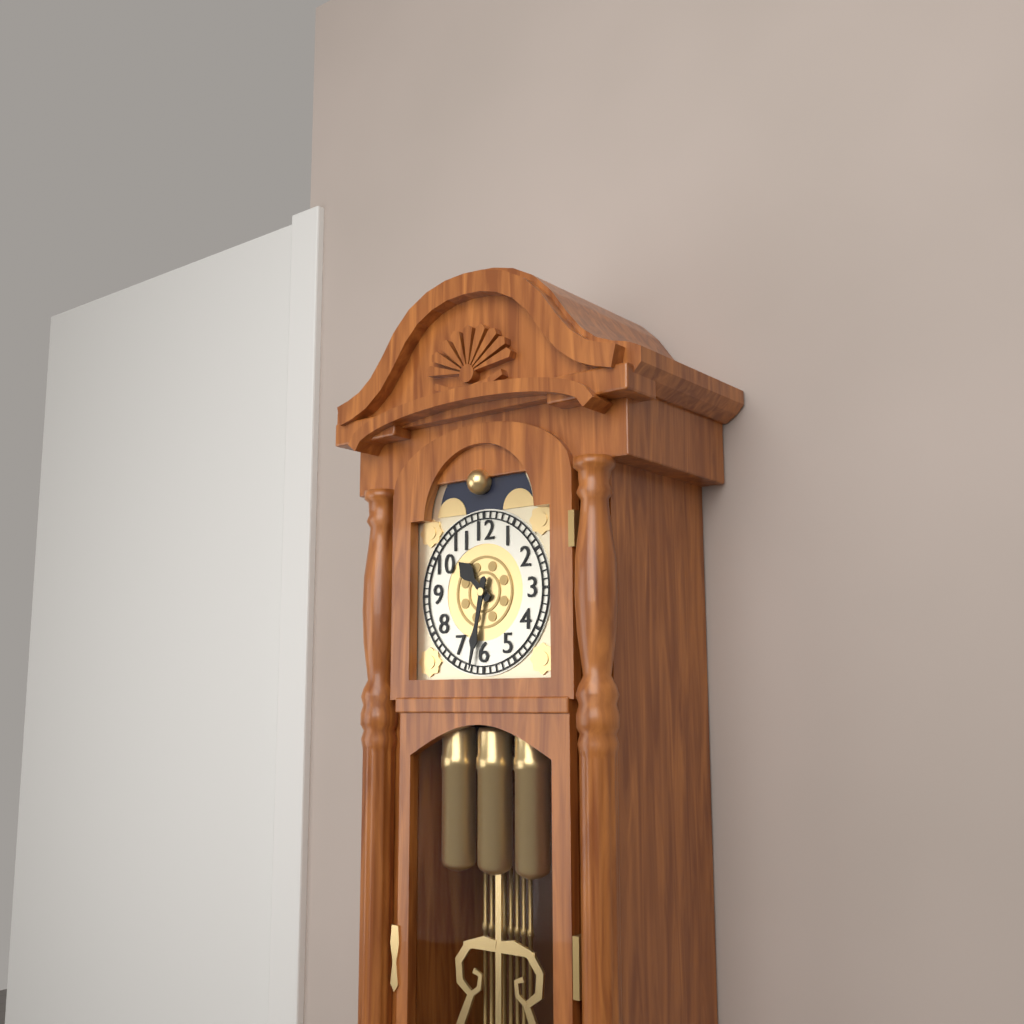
10:32
